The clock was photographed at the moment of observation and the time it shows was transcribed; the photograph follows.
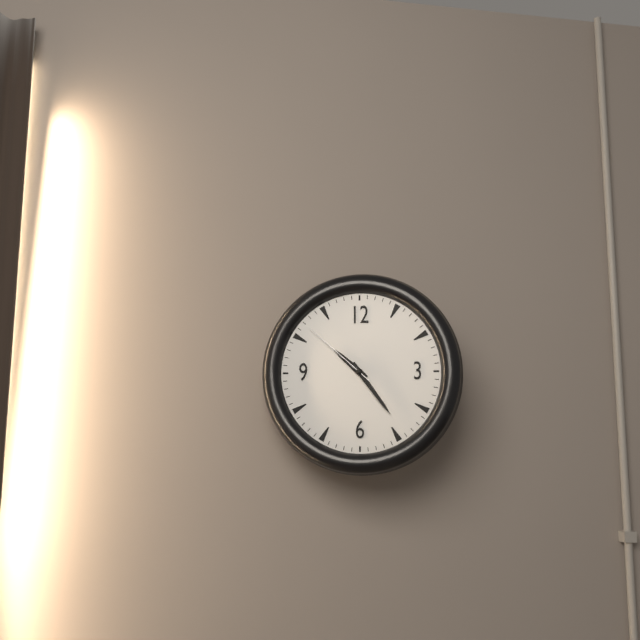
10:24:52
